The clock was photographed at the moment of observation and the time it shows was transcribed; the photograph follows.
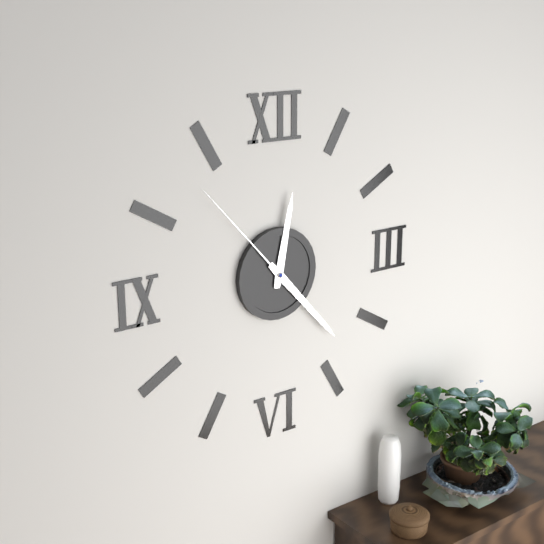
12:23:53
